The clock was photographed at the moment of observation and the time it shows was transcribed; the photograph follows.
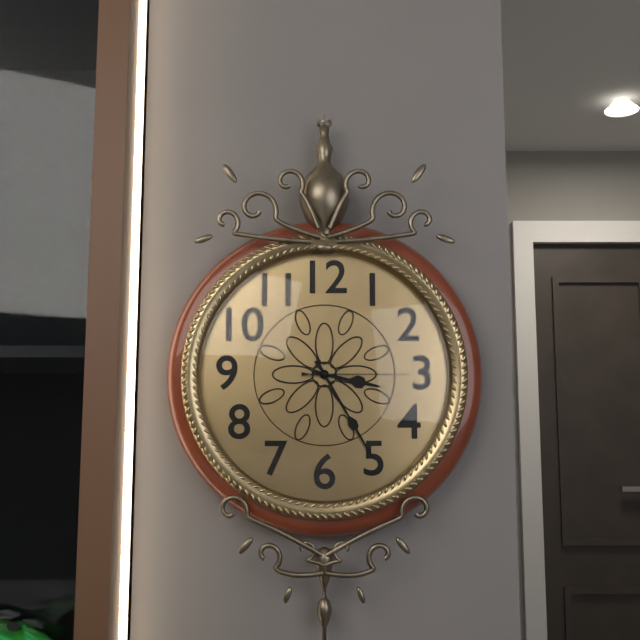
3:25:15
